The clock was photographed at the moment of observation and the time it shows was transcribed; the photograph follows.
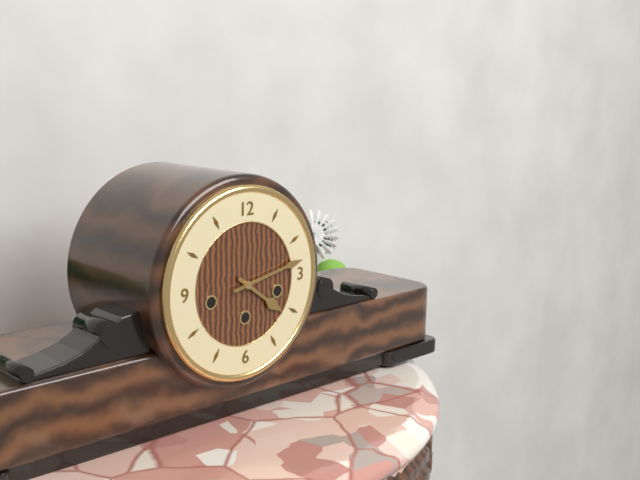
4:13
